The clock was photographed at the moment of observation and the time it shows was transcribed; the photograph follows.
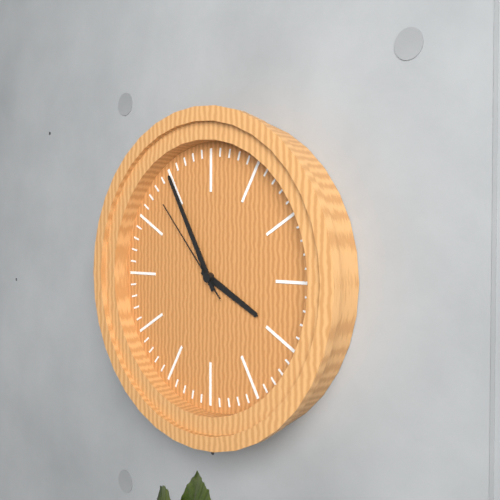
3:55:53
